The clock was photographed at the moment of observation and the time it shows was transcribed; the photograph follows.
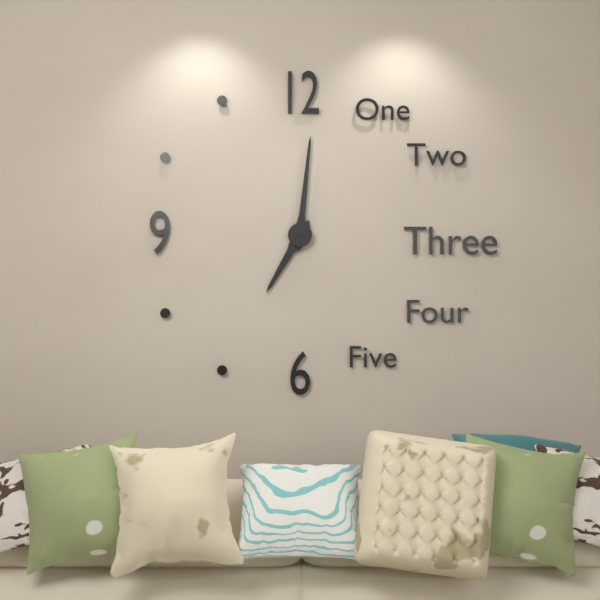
7:01
